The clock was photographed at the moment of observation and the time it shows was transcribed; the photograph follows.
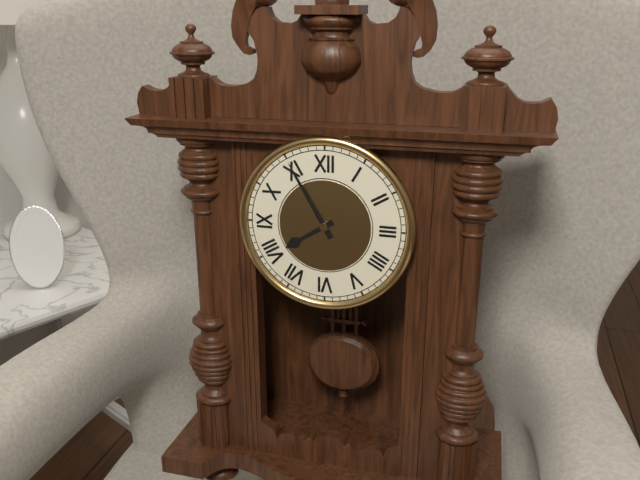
7:55
